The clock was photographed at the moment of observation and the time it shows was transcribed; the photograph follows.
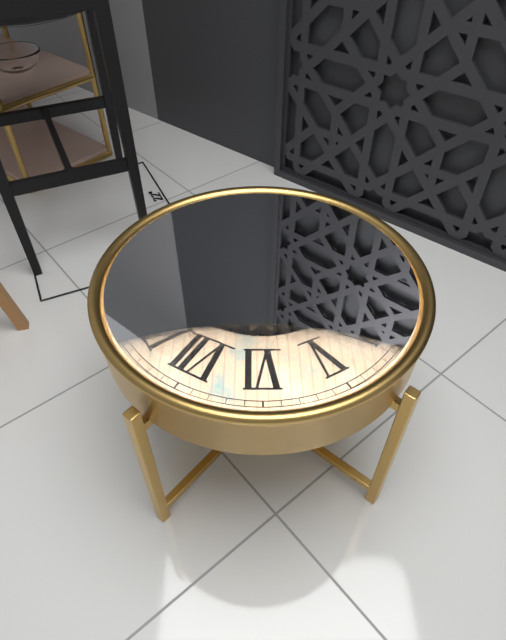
6:51
